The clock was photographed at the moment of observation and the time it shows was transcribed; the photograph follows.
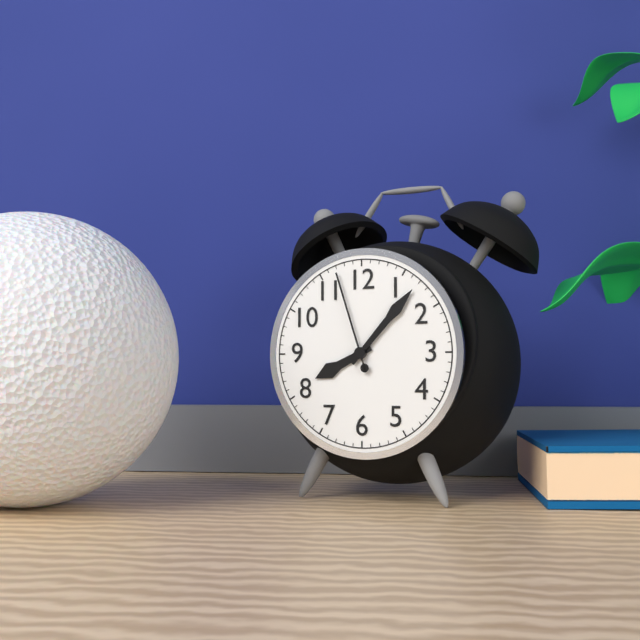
8:07:57
